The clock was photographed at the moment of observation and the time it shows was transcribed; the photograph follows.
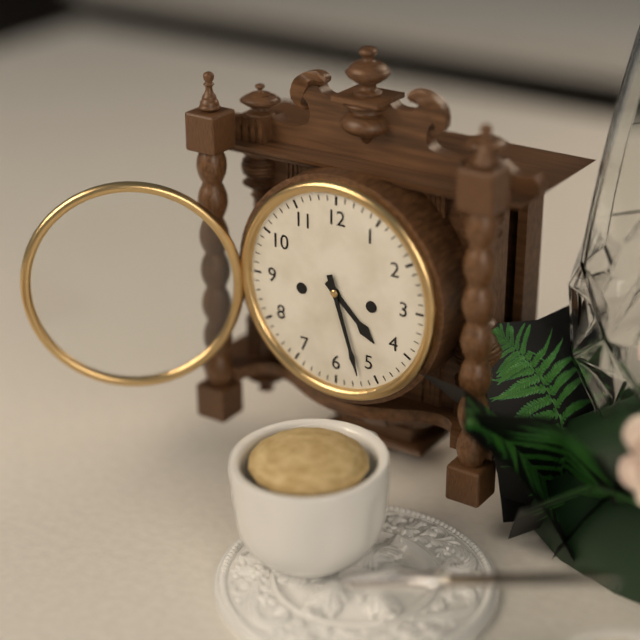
4:27
